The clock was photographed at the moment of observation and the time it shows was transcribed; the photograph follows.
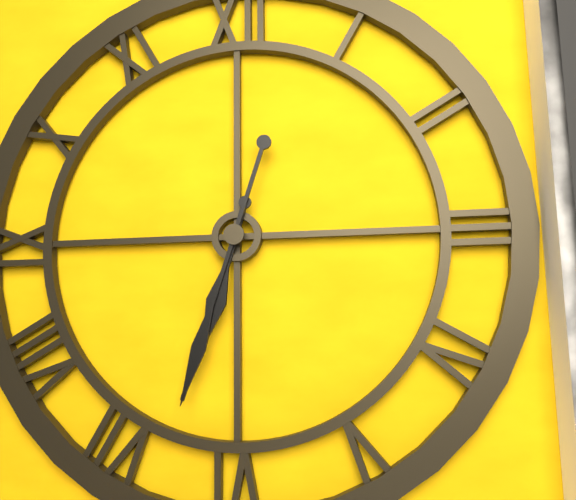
6:33
